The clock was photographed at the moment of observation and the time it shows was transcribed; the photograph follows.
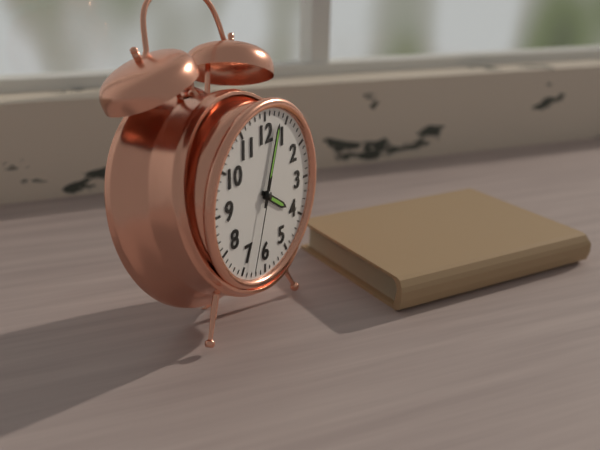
4:03:33
